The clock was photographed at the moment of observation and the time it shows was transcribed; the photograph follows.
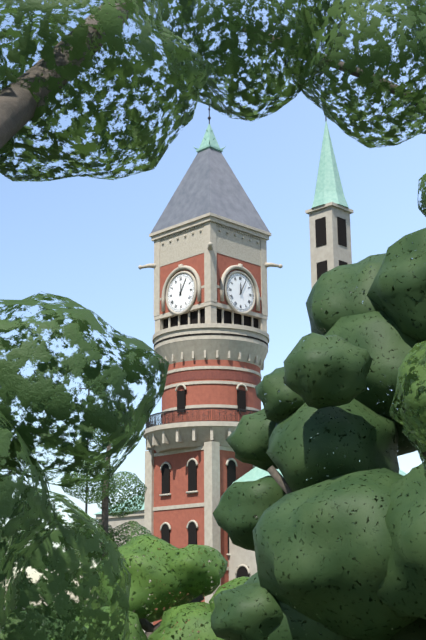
12:05
